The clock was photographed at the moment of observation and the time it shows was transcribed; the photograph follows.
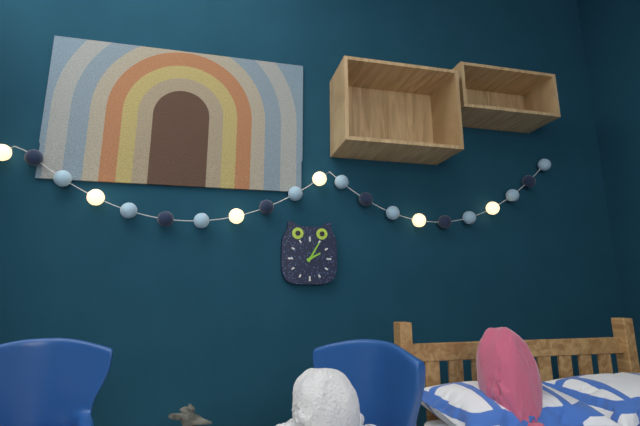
2:05
